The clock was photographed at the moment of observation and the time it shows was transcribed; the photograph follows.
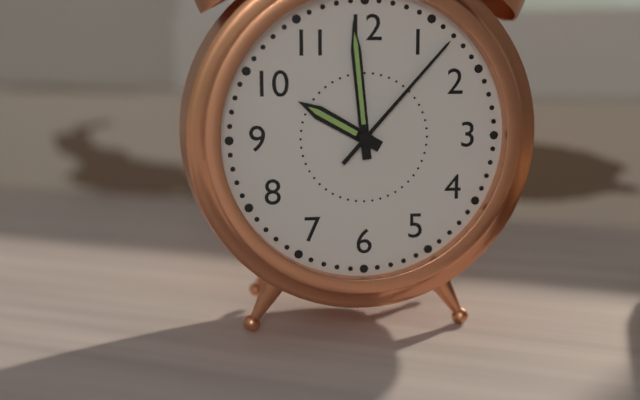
9:59:07
